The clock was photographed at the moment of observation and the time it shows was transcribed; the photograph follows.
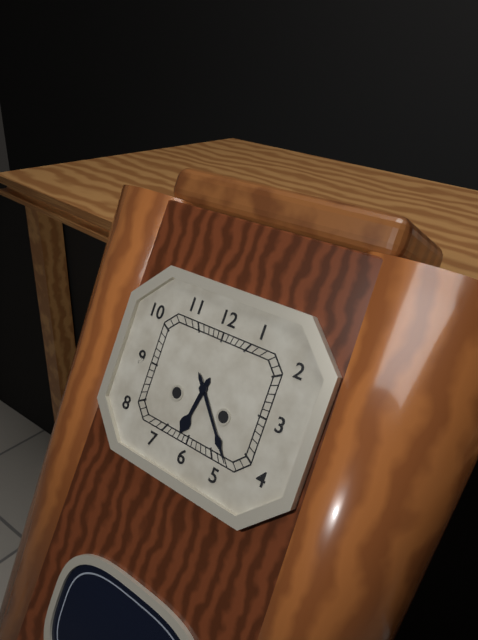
6:23
